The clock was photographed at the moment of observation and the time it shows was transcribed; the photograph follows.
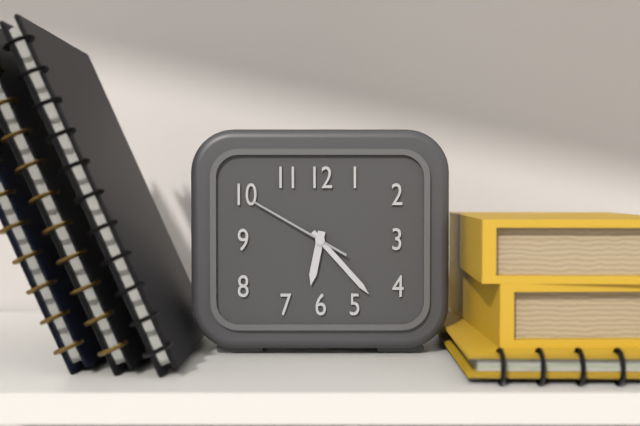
6:23:50
